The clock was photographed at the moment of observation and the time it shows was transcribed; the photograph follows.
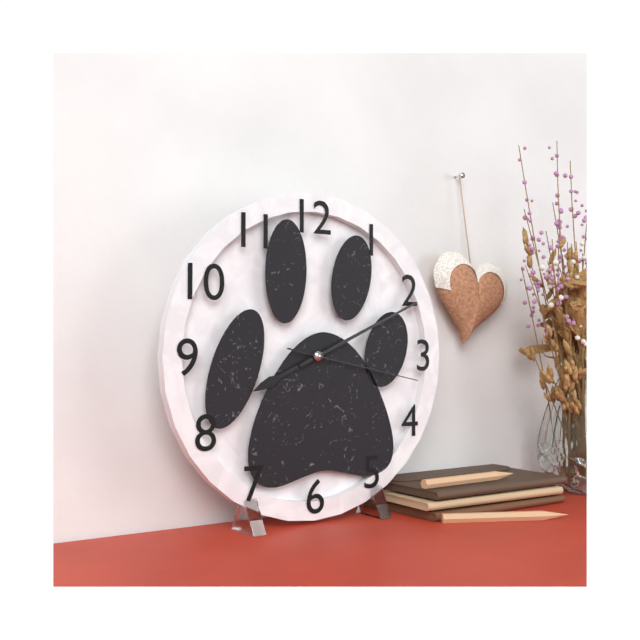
8:11:17
